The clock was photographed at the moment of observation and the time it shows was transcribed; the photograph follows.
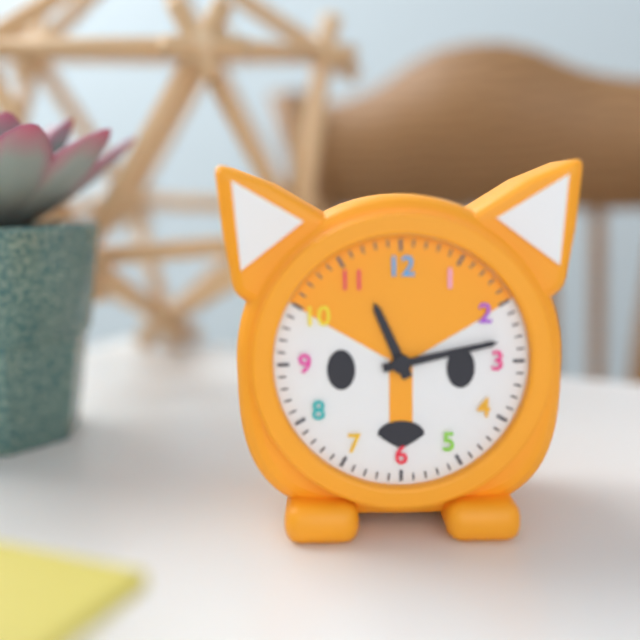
11:13
